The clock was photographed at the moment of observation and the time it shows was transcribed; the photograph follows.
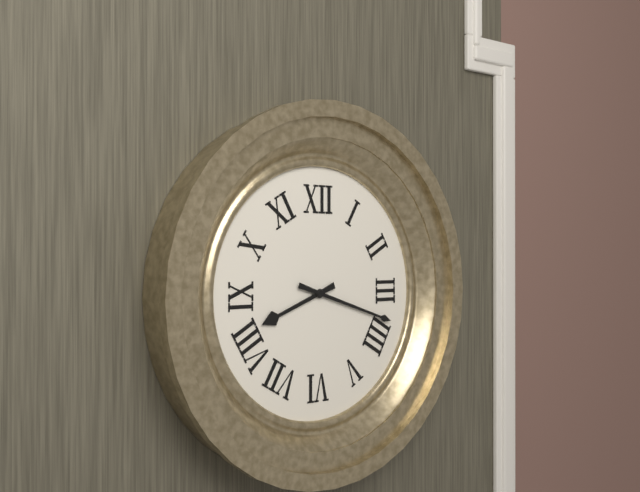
8:18
